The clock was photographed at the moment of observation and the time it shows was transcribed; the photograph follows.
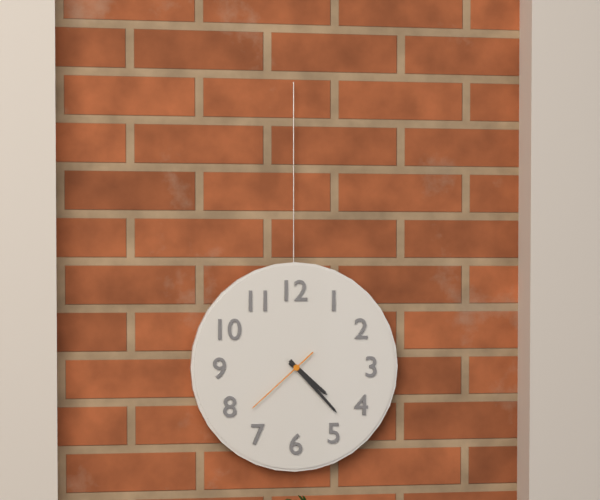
4:23:38
